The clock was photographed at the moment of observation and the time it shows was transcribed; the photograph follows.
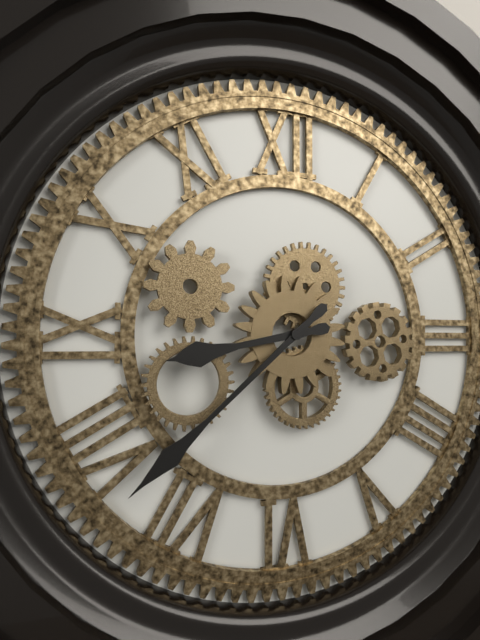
8:38
